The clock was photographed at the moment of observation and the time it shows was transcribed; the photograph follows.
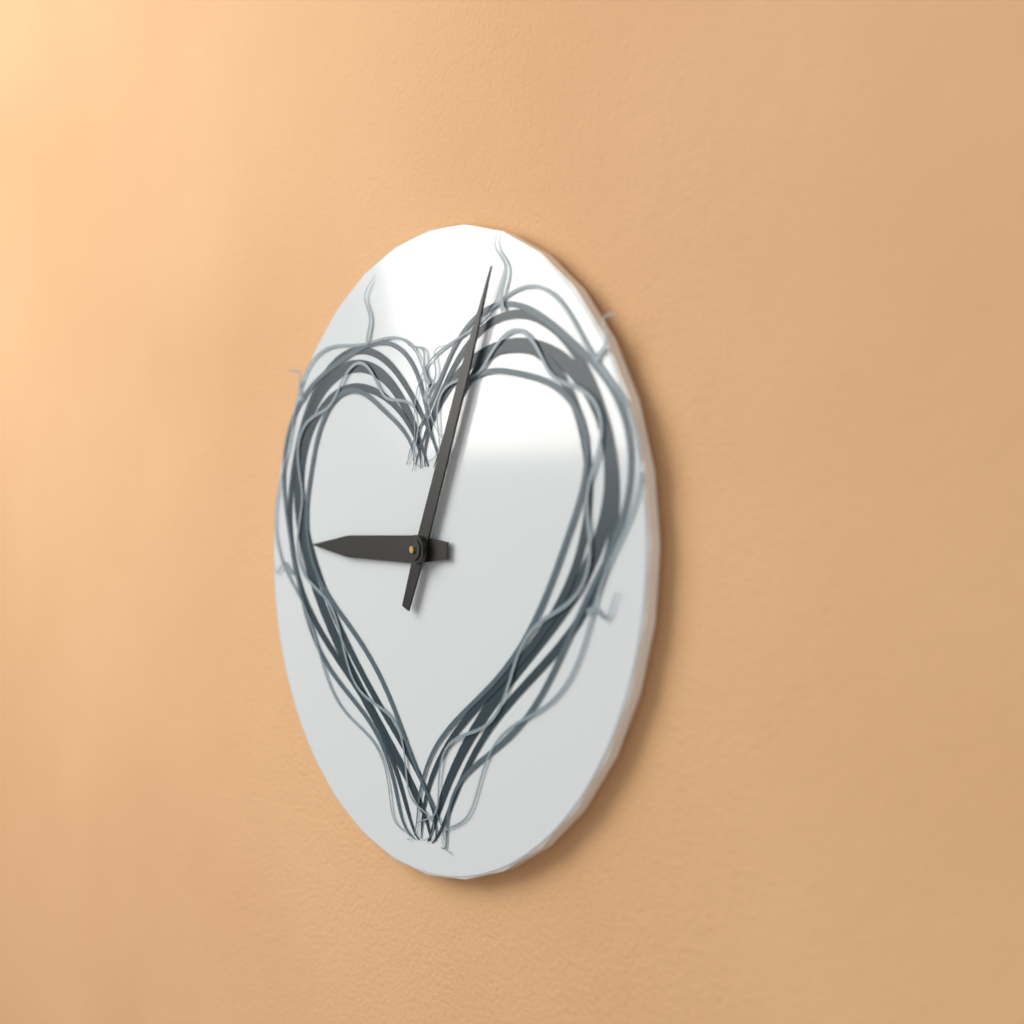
9:04
